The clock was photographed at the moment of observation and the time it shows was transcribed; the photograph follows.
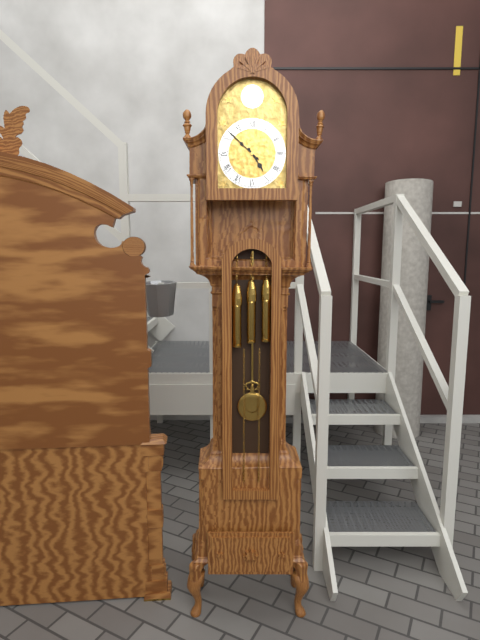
4:52
